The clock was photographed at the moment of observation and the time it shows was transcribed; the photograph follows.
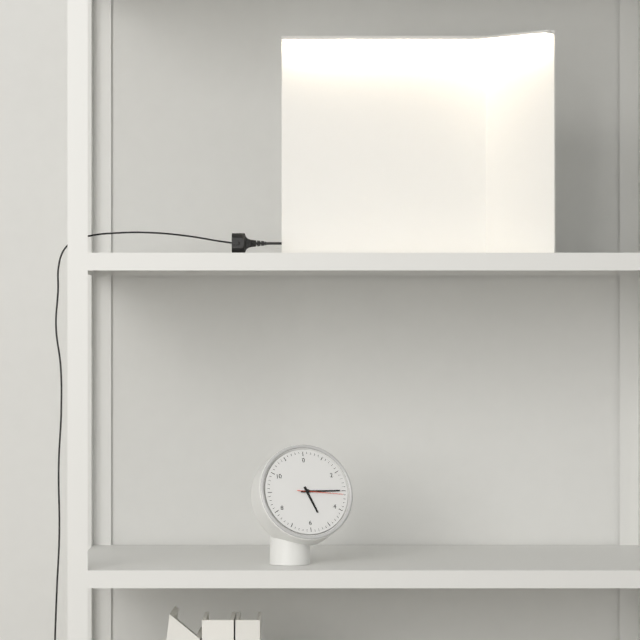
5:15
